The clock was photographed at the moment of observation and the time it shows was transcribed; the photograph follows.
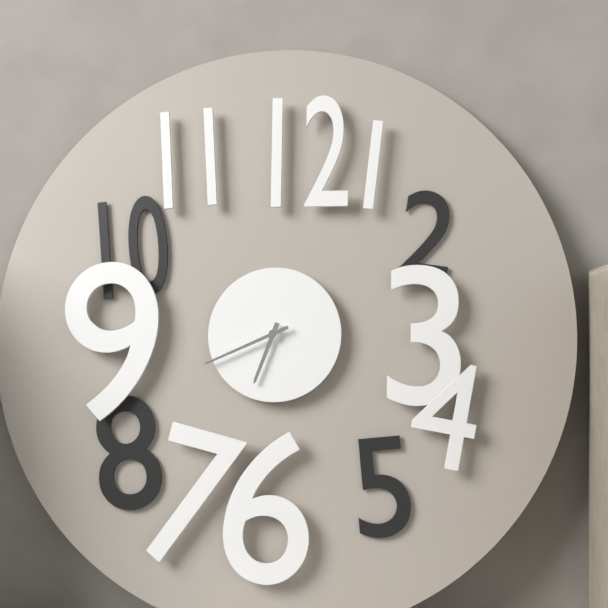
6:41
